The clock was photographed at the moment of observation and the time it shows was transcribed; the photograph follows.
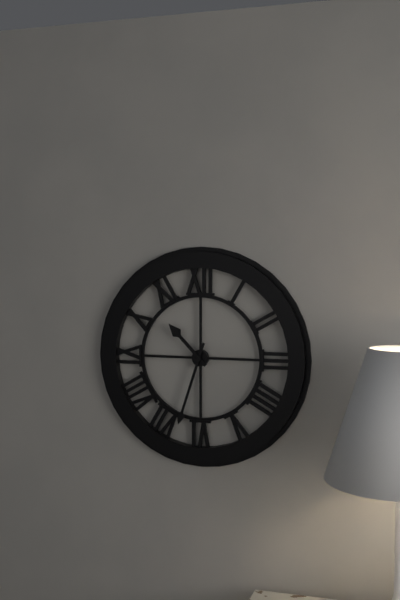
10:33
